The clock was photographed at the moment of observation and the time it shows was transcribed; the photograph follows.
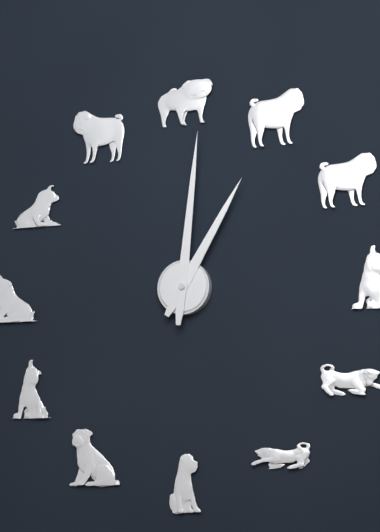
1:01
